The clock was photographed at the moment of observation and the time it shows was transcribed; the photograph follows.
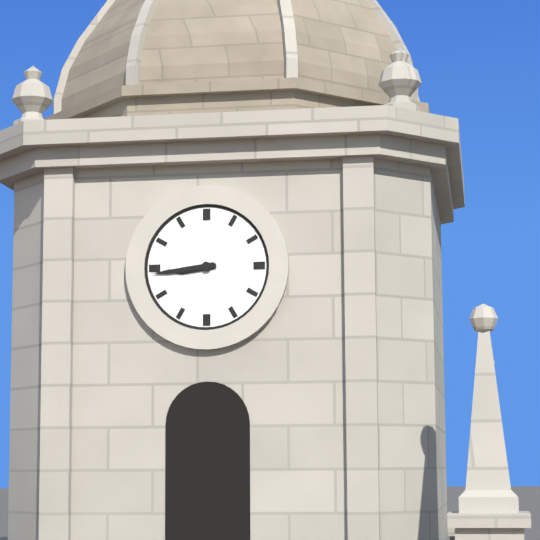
8:44
